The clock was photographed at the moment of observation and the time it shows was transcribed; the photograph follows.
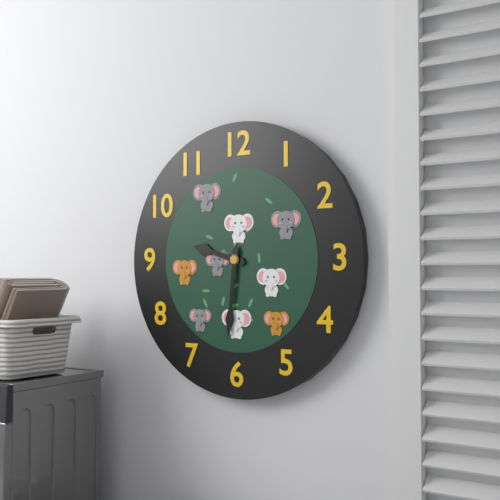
9:31
